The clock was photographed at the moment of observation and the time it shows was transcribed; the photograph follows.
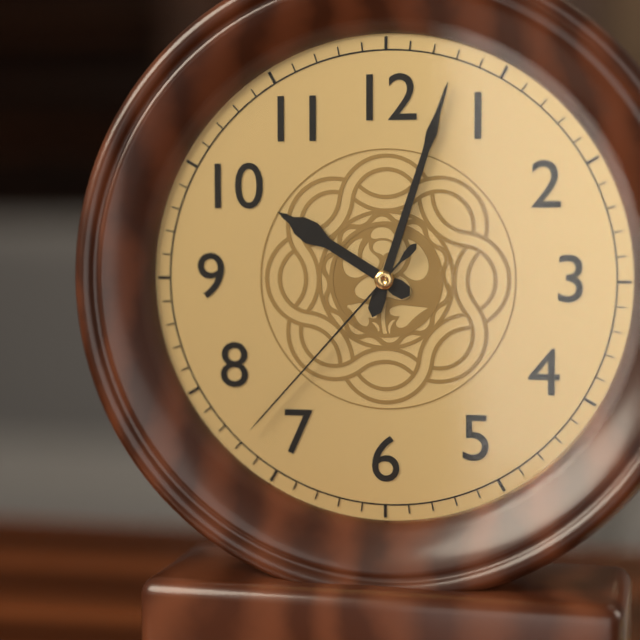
10:03:37
